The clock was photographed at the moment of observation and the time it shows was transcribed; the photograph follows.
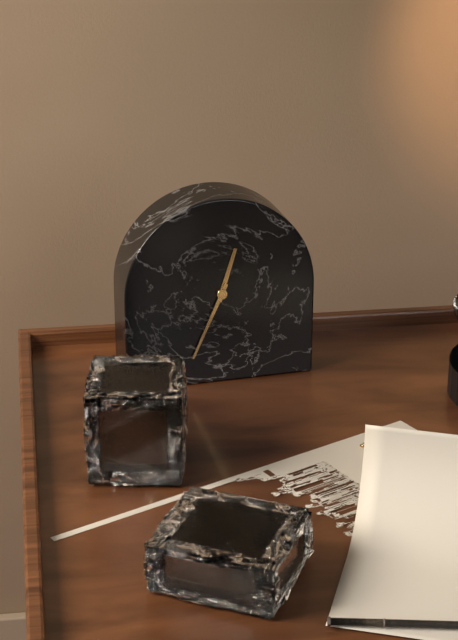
12:34
